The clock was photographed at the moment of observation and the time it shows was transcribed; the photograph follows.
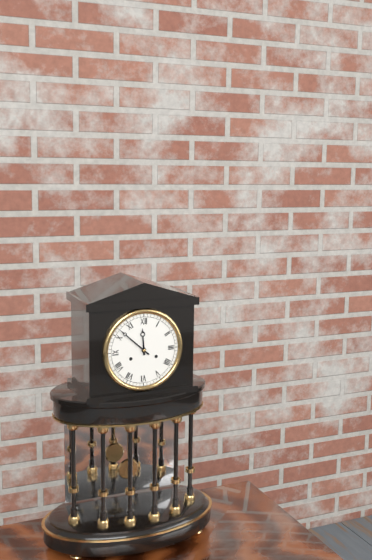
11:52
